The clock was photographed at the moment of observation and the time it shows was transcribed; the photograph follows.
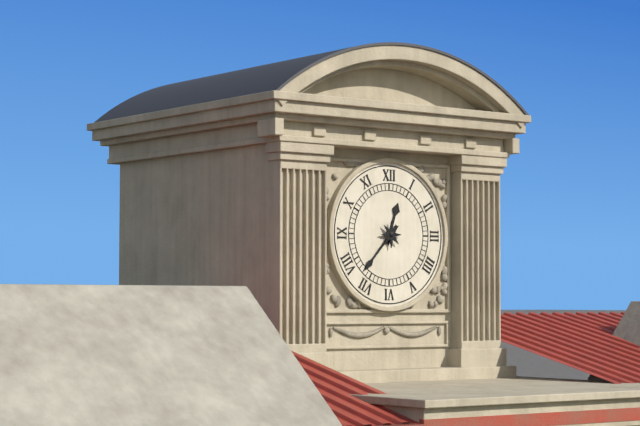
12:37
